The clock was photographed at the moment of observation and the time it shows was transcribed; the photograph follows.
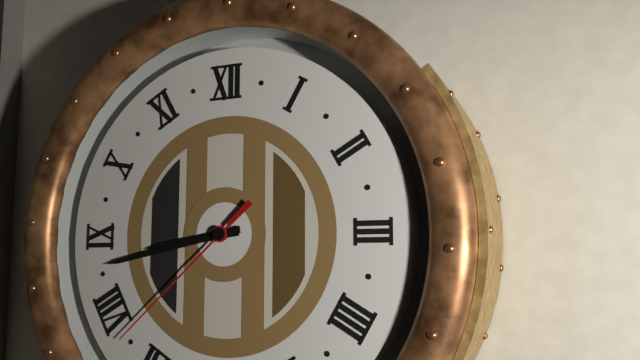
8:43:38
